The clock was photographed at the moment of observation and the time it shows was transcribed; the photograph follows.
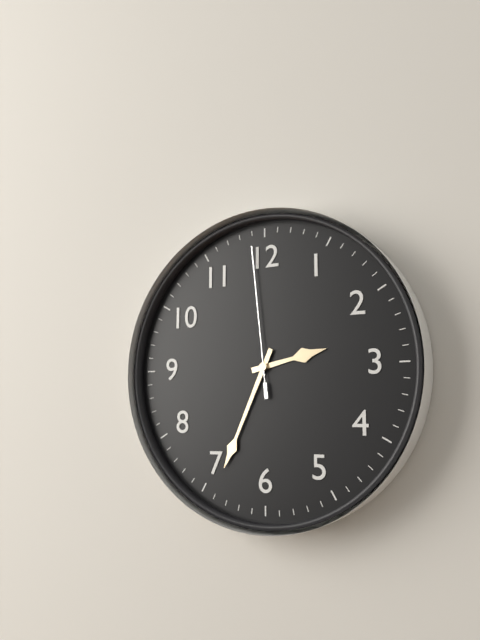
2:34:59
